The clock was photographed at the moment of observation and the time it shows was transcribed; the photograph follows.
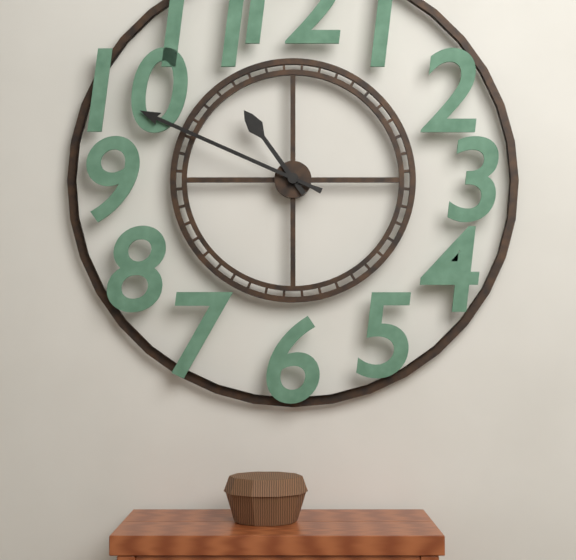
10:49
